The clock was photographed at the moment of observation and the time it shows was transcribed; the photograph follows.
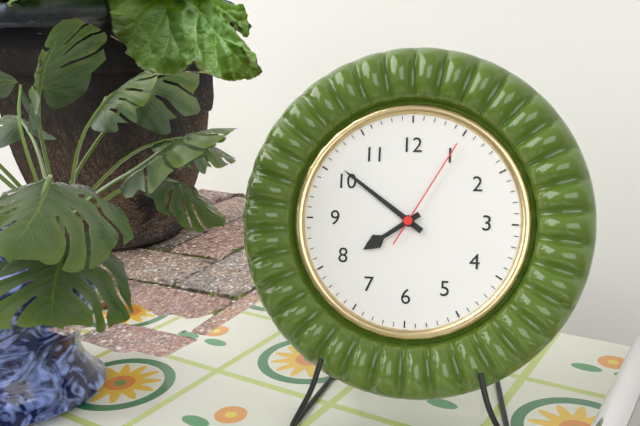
7:51:05
